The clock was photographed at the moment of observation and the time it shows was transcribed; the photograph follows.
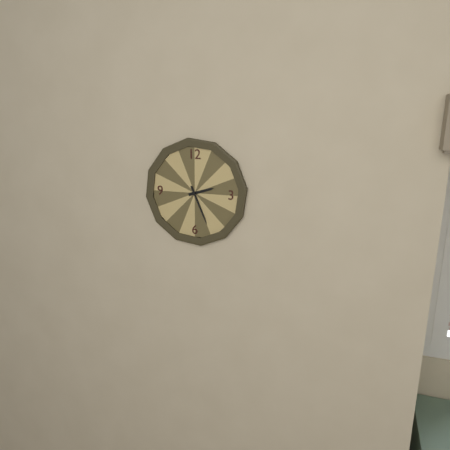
2:26
